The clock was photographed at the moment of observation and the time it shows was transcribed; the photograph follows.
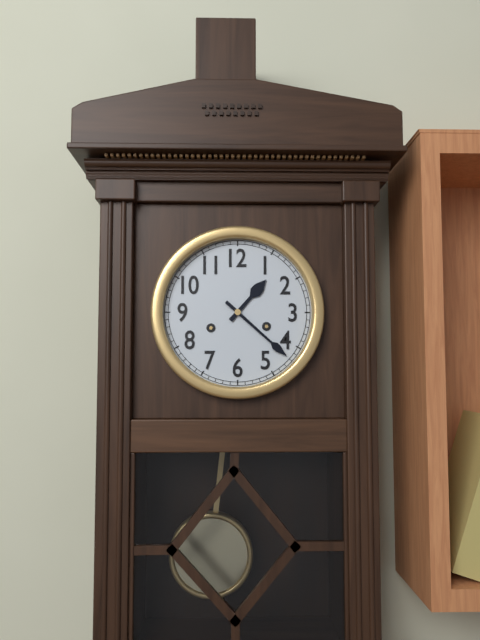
1:22
